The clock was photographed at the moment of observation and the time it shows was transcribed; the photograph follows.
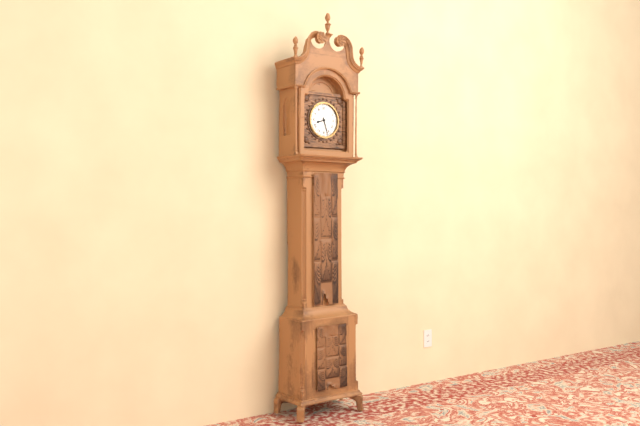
8:27
